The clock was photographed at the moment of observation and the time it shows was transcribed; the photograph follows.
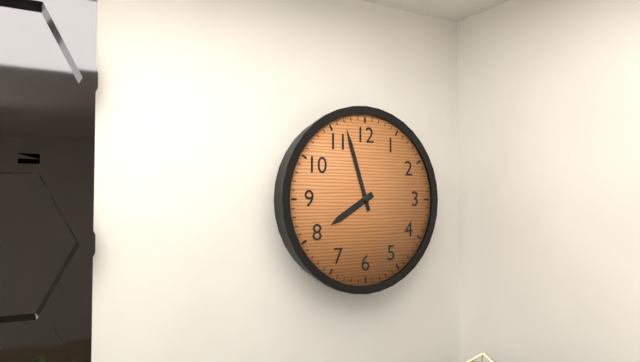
7:57
